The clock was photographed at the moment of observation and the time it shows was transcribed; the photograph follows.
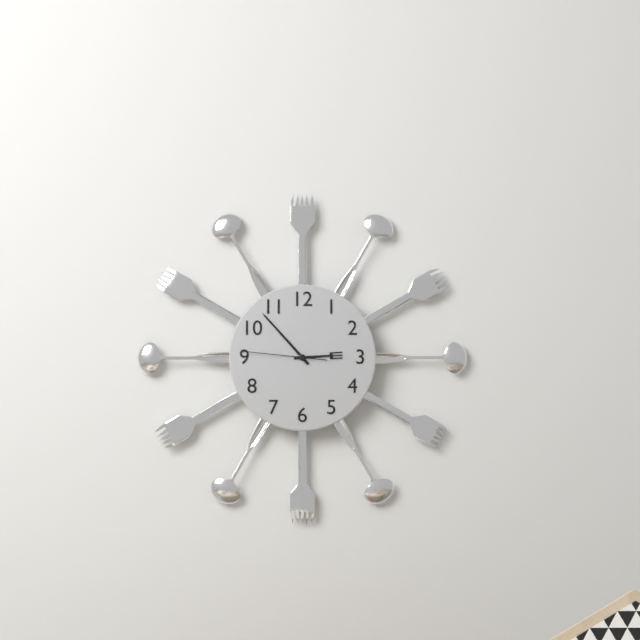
2:53:46
